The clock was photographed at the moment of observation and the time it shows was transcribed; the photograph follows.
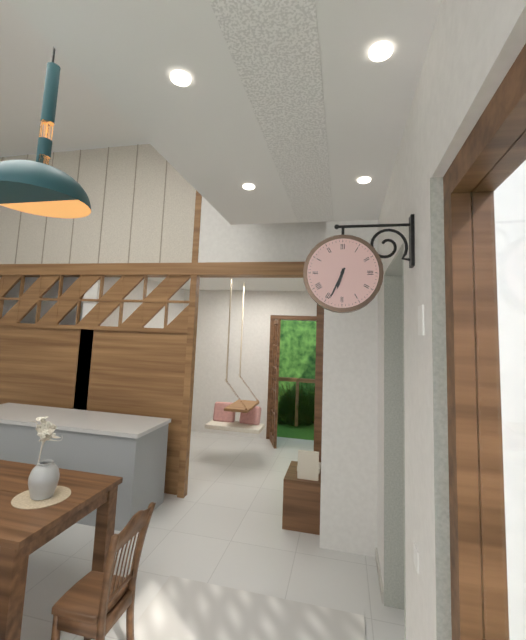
6:34
